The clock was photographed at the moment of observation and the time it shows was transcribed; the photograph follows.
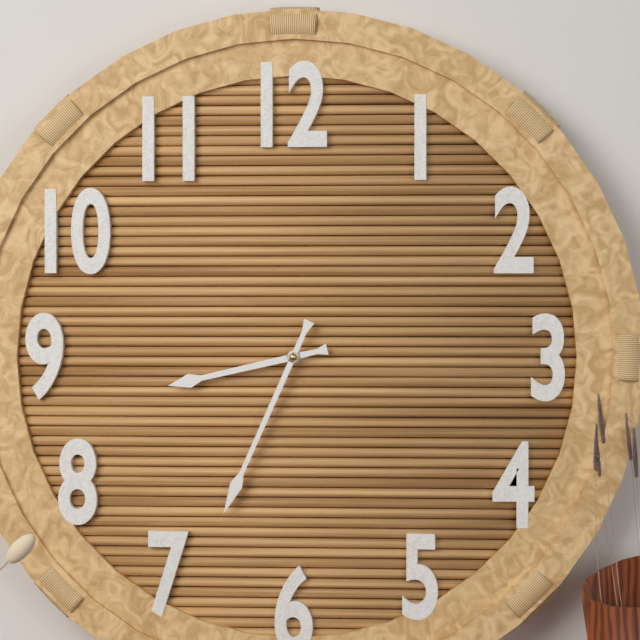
8:34
